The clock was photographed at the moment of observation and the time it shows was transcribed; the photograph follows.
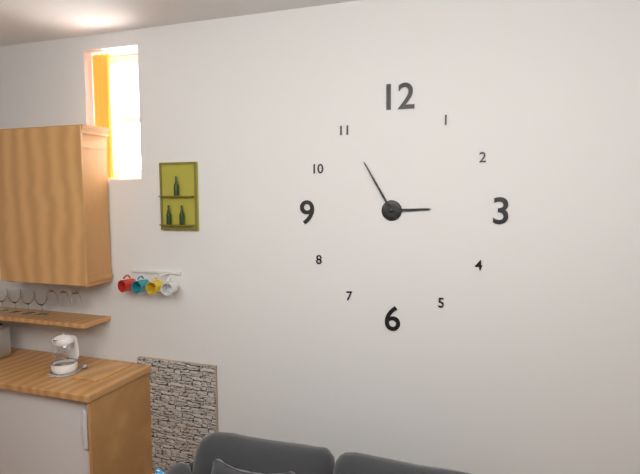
2:55
